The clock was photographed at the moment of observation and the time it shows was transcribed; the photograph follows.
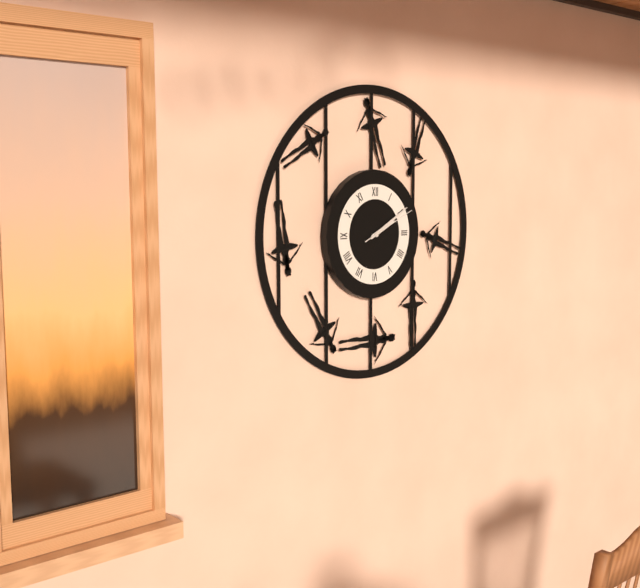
2:10:11
